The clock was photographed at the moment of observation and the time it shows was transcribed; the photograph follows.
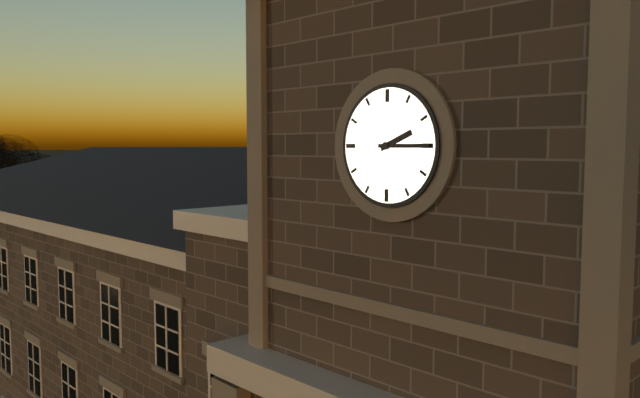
2:15
